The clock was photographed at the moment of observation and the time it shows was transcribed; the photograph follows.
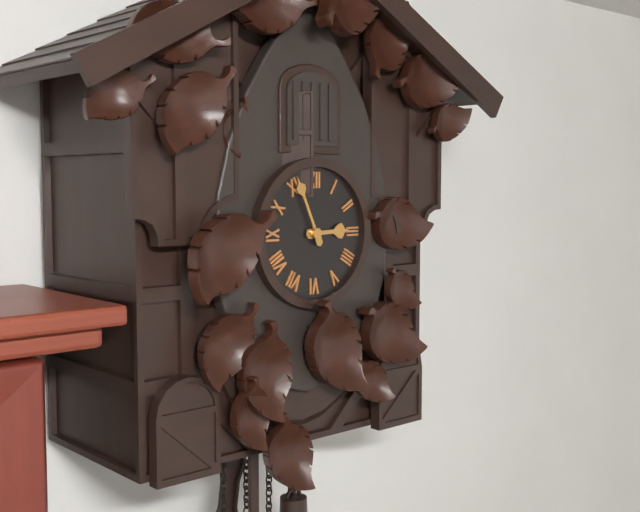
2:56
